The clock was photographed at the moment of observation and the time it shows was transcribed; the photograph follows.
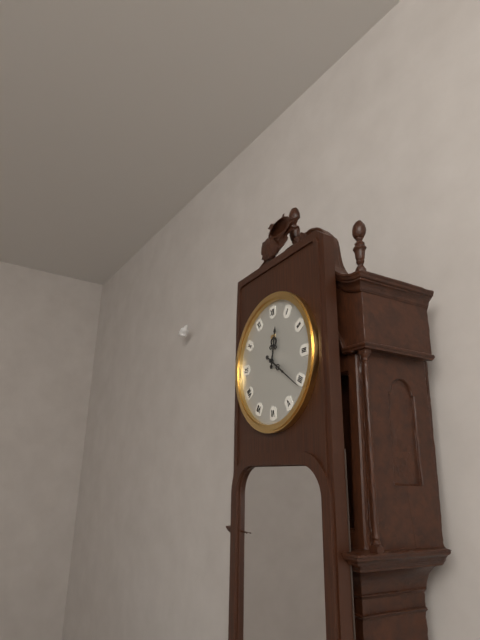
12:21
